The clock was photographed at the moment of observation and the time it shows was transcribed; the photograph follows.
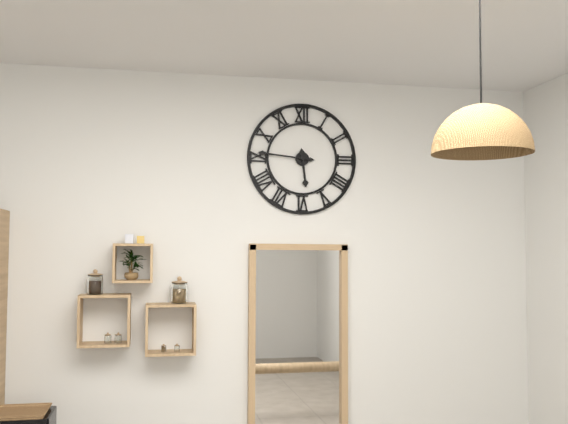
5:46
